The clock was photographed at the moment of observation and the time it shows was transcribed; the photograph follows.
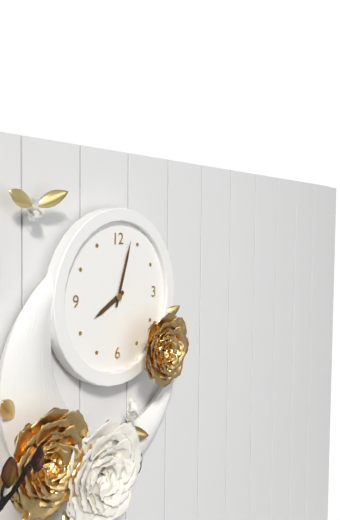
8:03
